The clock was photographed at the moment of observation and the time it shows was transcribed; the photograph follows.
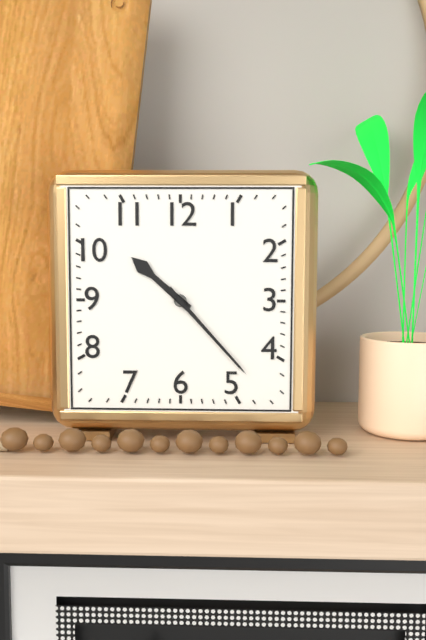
10:23
